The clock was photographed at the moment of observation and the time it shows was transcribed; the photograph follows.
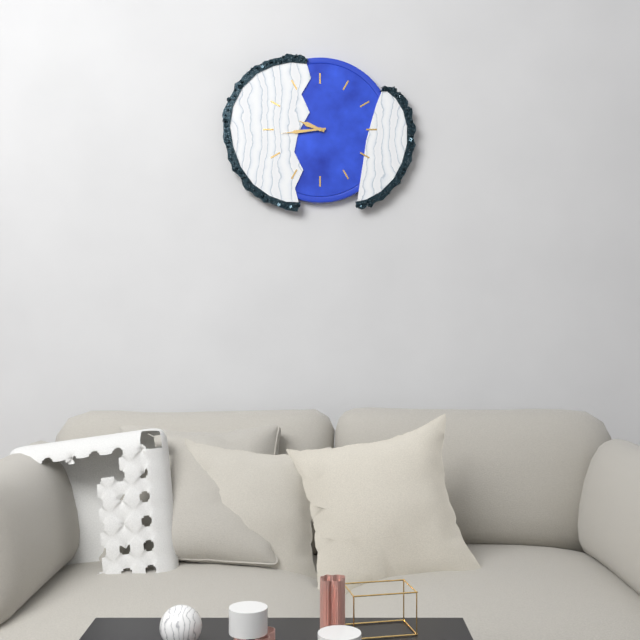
9:44
